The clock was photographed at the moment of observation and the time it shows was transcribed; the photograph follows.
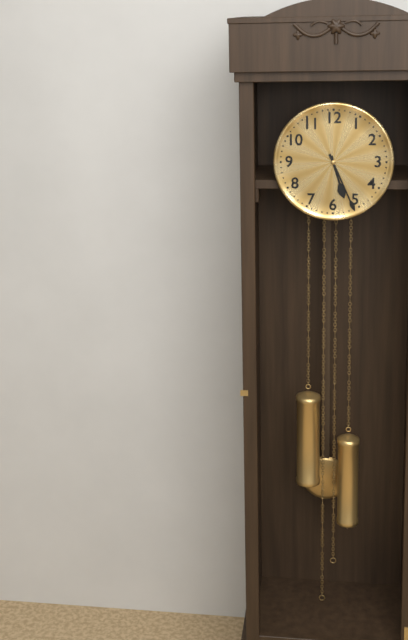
5:26
